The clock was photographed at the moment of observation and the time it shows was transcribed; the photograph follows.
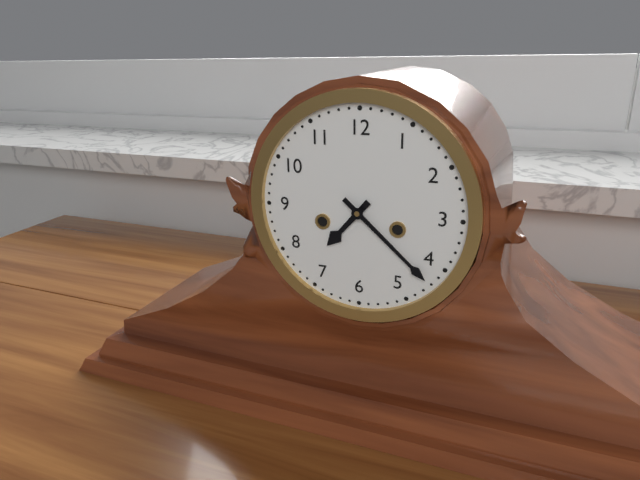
7:22
